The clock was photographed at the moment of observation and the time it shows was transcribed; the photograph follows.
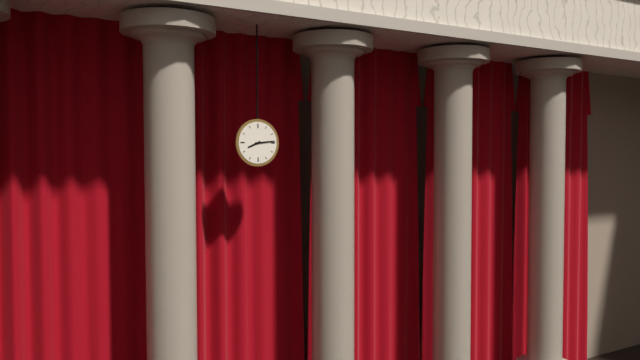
8:14
